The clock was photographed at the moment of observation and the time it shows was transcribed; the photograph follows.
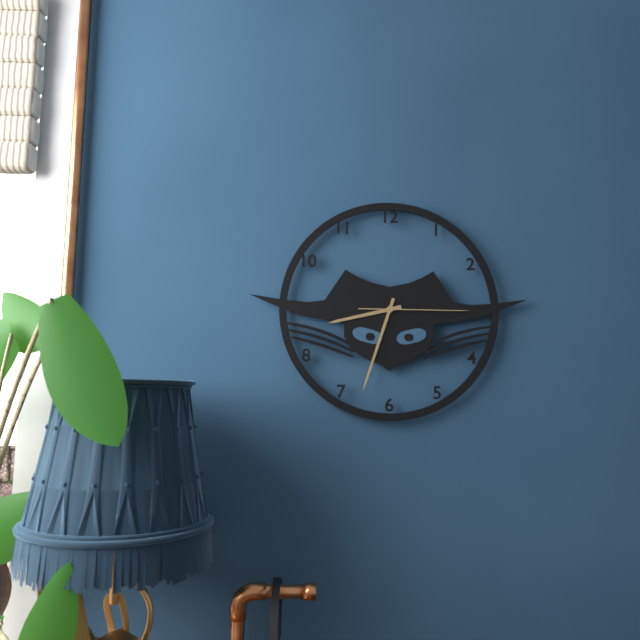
8:33:15
